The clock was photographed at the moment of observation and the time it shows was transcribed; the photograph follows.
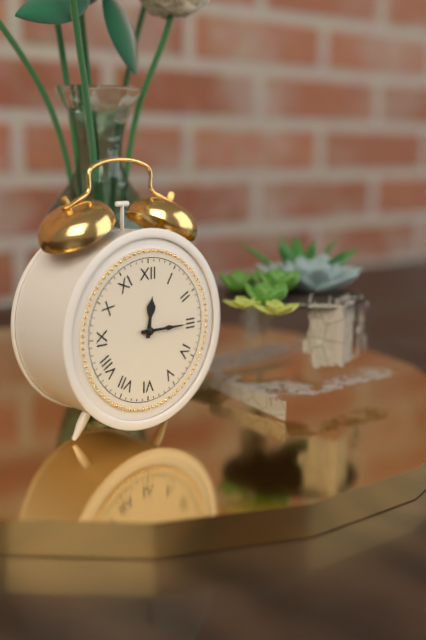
12:15
